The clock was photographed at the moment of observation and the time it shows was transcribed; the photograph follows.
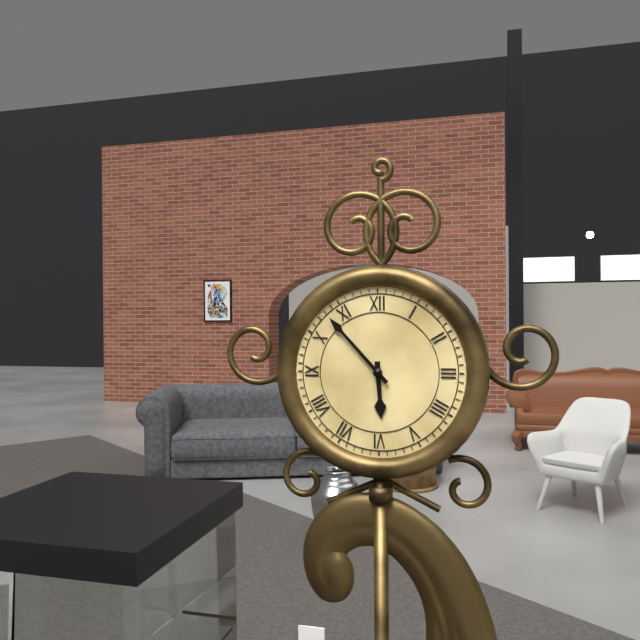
5:53
